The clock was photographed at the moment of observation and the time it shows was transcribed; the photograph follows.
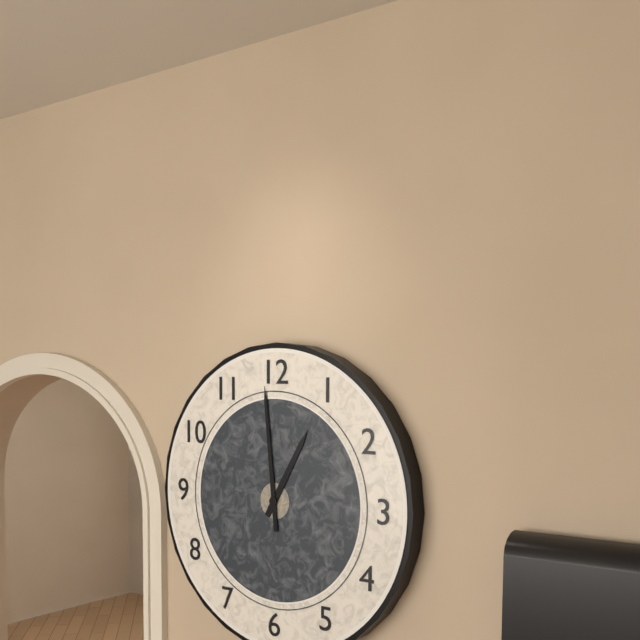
12:59
